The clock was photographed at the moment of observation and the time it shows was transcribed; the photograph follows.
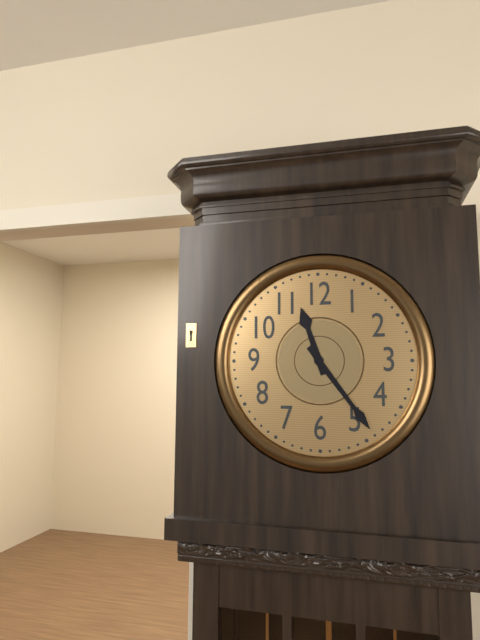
11:24
